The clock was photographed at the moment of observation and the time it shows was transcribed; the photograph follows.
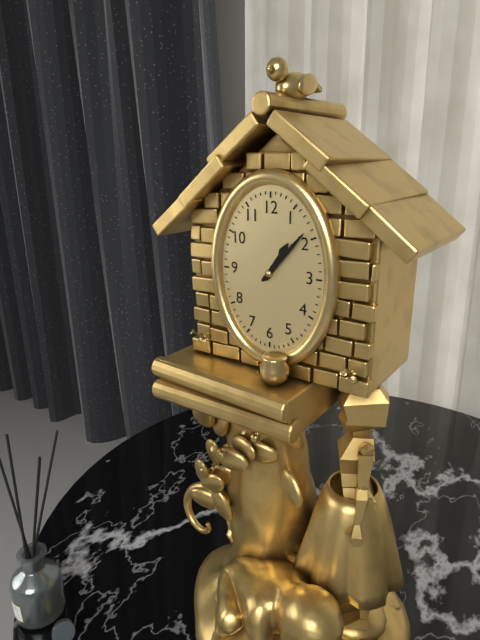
1:07
